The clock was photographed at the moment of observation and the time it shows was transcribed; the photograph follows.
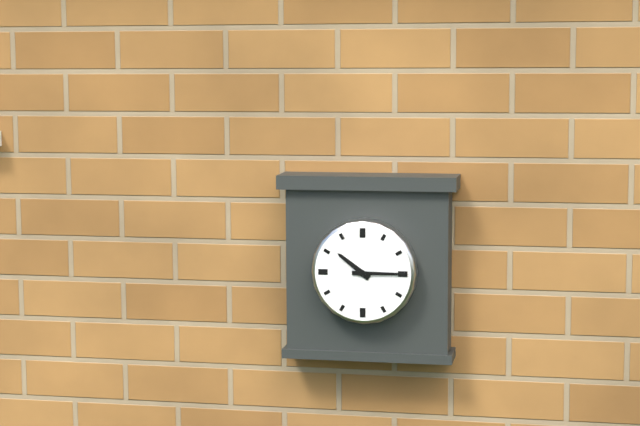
10:15
